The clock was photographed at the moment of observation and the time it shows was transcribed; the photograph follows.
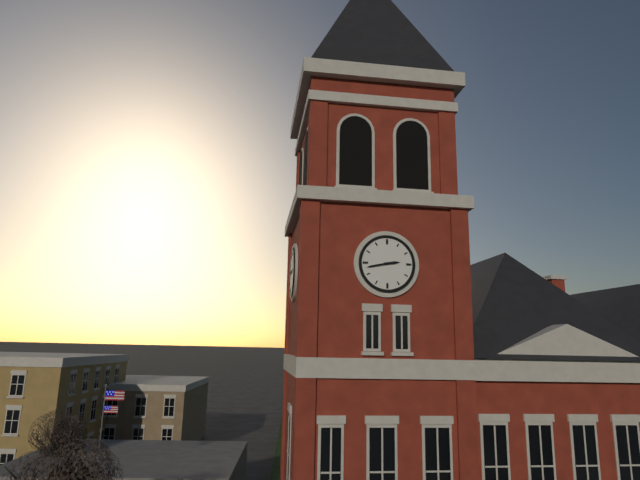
2:43
